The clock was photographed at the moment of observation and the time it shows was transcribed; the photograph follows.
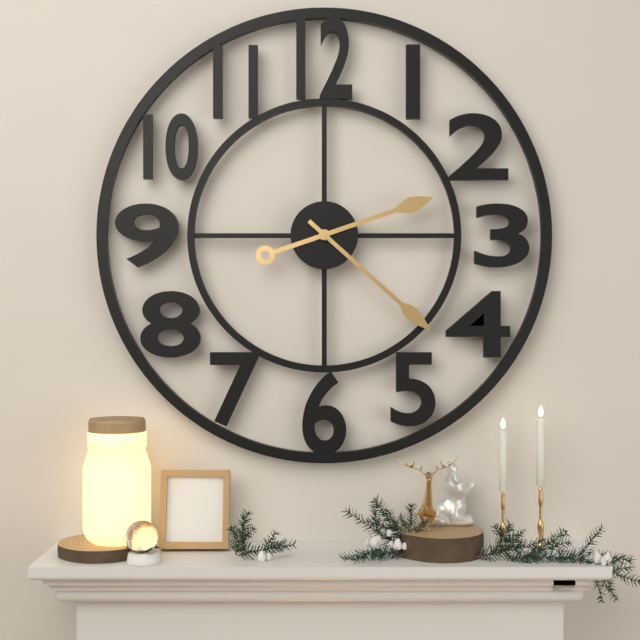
2:22
